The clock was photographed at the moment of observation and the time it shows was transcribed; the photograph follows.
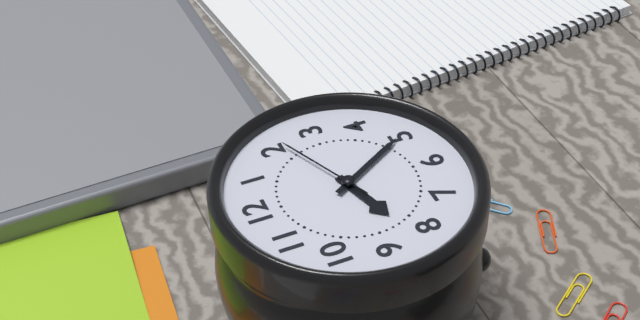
8:25:11
